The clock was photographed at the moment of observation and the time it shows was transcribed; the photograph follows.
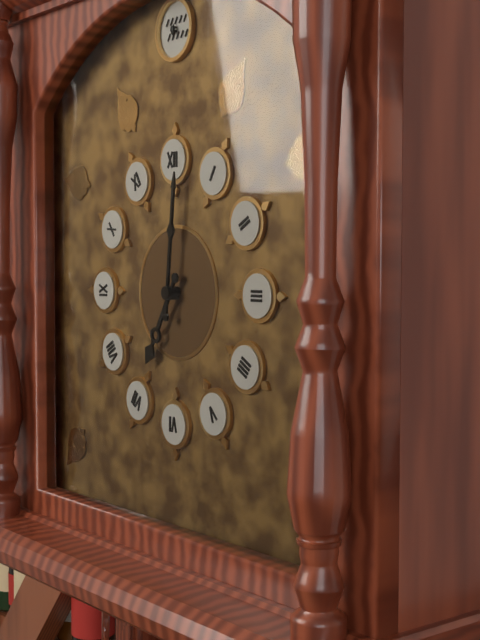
7:01
